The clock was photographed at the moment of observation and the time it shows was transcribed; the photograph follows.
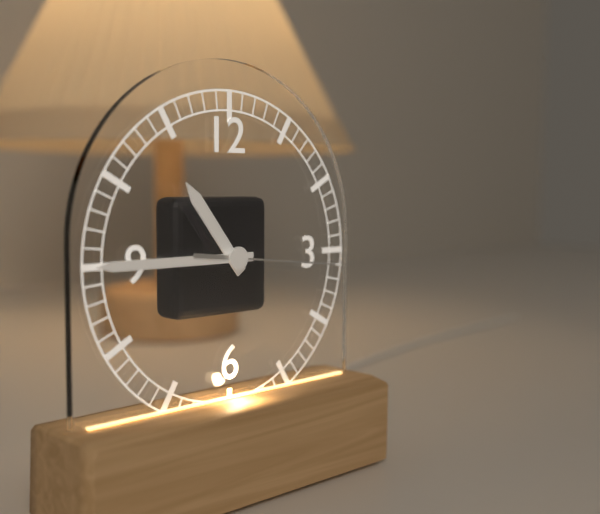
10:45:16
